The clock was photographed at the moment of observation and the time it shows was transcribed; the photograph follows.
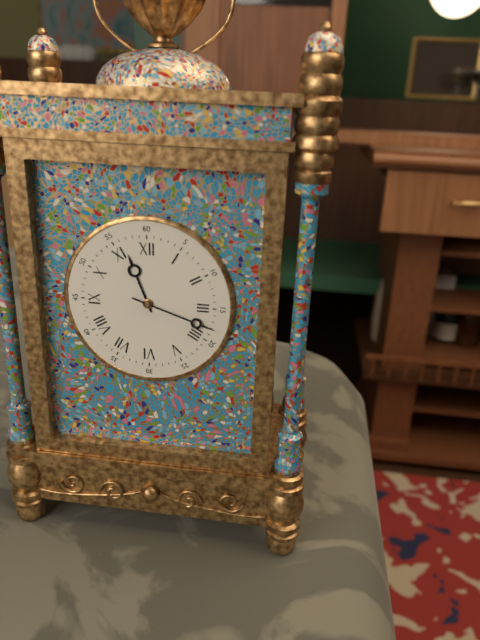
11:18
